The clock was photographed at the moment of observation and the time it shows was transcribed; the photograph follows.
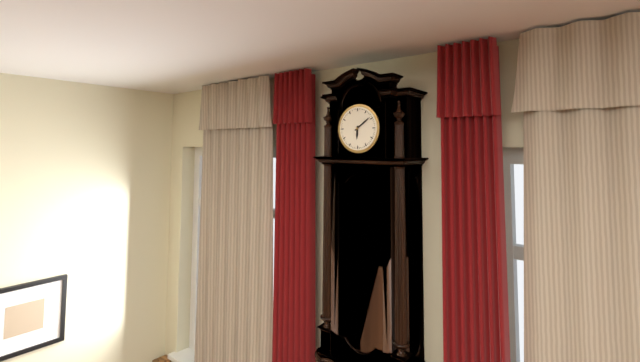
6:09
